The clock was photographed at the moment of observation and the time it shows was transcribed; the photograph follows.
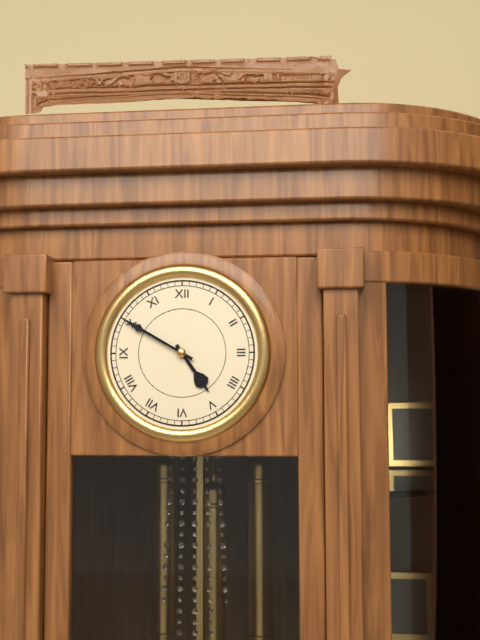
4:50
